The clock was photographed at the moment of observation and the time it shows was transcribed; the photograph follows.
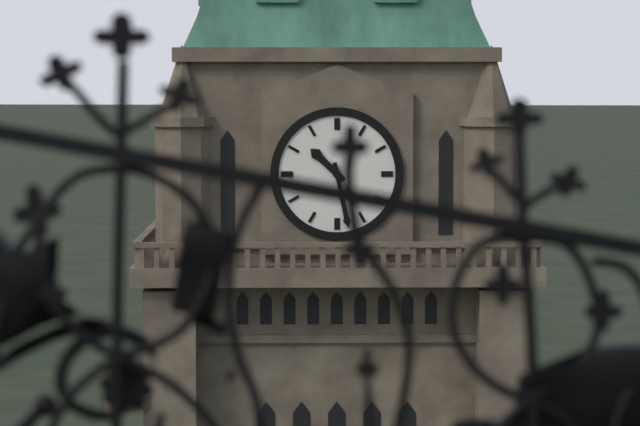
10:28
